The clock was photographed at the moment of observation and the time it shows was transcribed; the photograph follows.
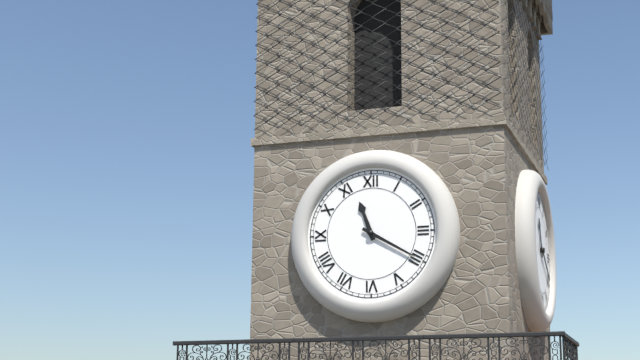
11:20
